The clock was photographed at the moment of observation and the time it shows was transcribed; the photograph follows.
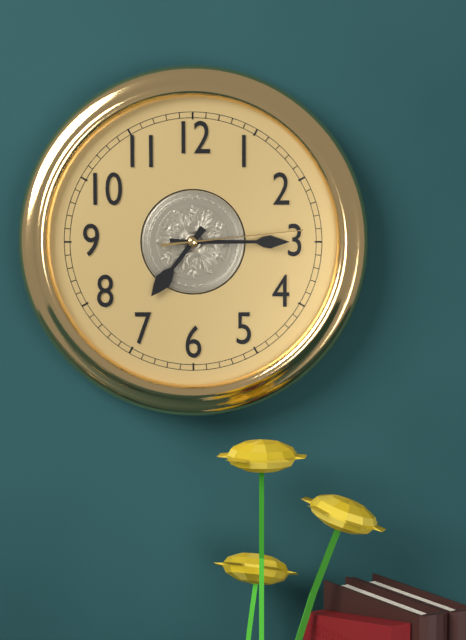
7:15:14
